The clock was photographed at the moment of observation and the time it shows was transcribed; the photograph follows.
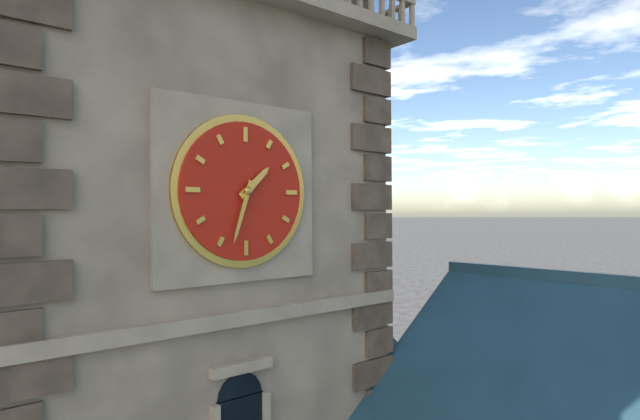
1:33
